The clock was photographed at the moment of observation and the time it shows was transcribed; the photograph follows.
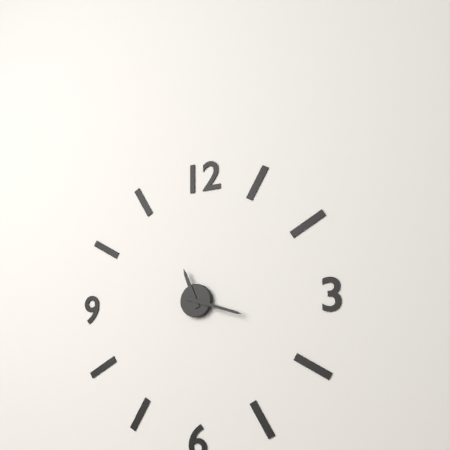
11:18
